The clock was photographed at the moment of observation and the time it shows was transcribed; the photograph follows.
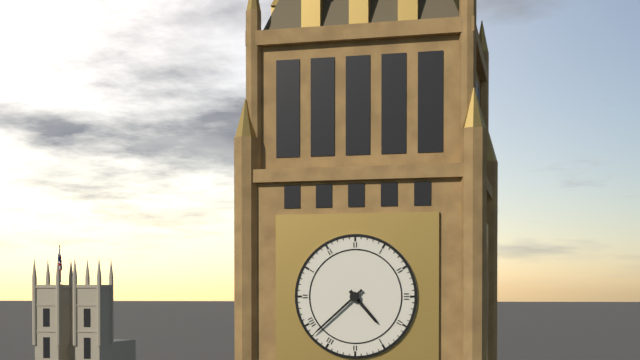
4:38
